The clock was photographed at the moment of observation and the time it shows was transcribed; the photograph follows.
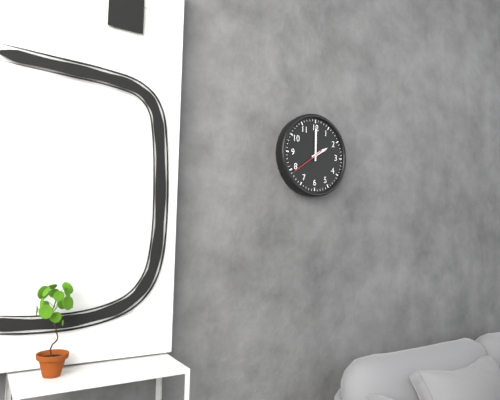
2:00
